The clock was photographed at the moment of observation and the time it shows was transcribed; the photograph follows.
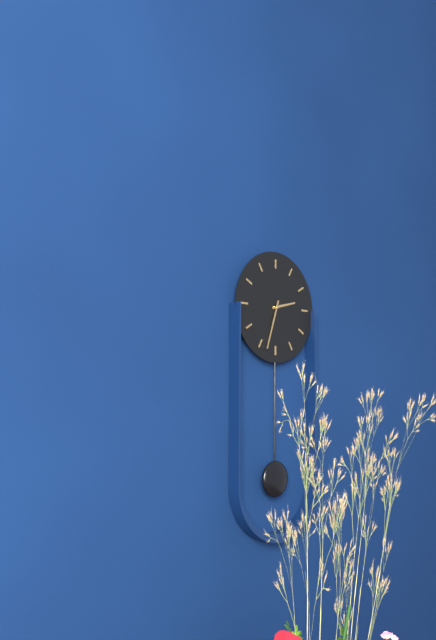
2:33
